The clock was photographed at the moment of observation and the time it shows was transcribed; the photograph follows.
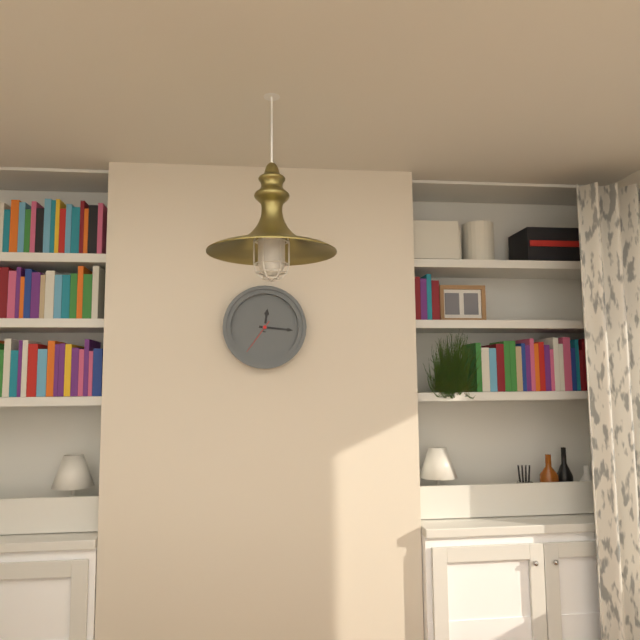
12:16
